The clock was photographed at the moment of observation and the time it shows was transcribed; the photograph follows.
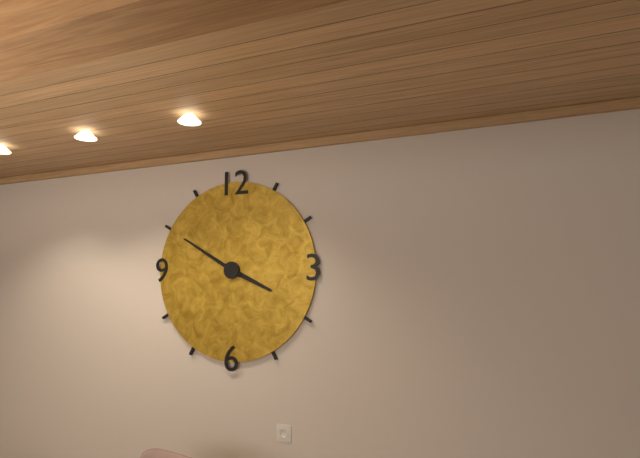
3:50
